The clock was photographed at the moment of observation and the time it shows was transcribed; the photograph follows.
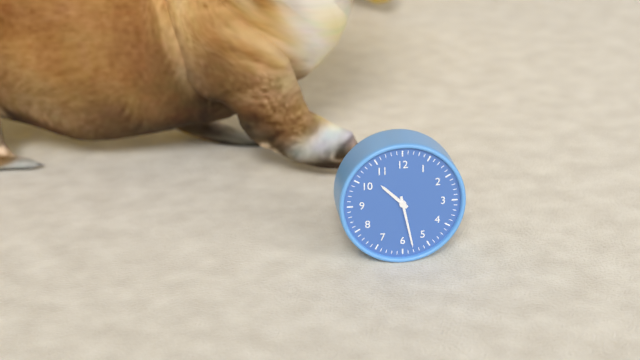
10:28
